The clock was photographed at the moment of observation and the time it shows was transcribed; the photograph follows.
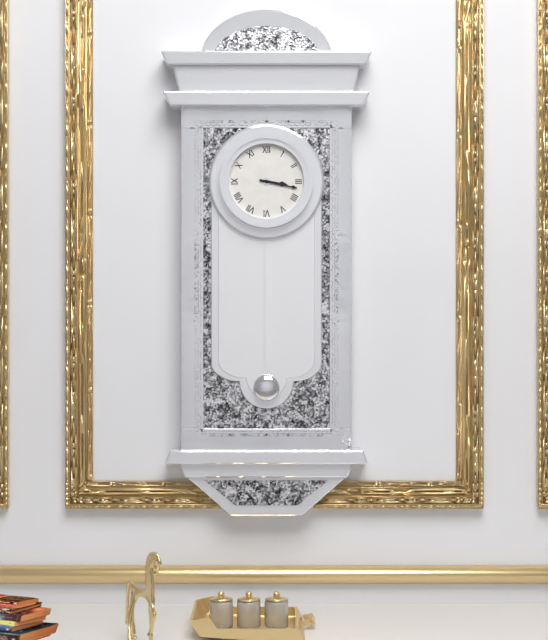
3:17
